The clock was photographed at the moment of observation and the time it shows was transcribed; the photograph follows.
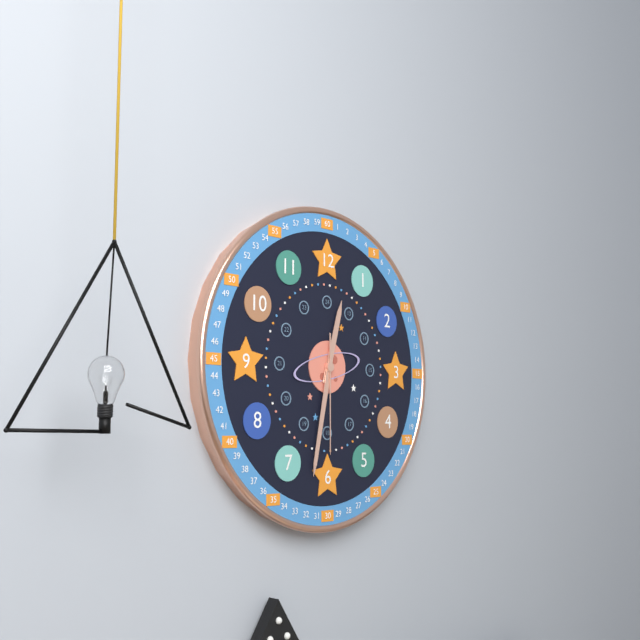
12:32:30
